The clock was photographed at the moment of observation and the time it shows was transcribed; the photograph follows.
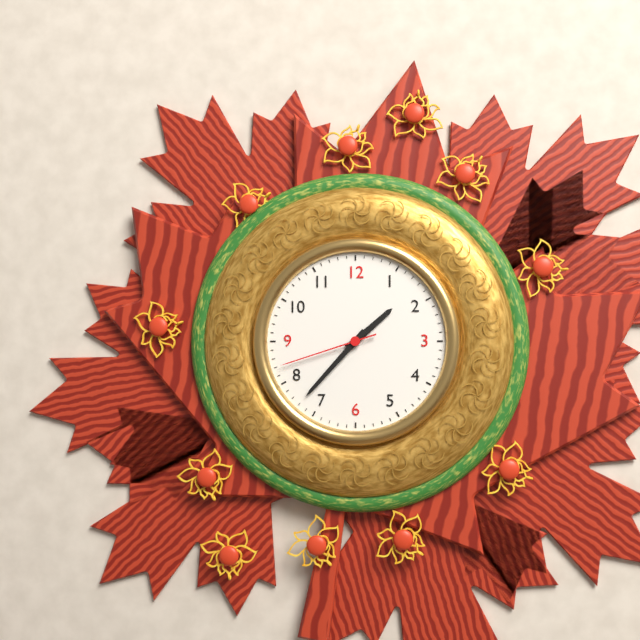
1:37:42
